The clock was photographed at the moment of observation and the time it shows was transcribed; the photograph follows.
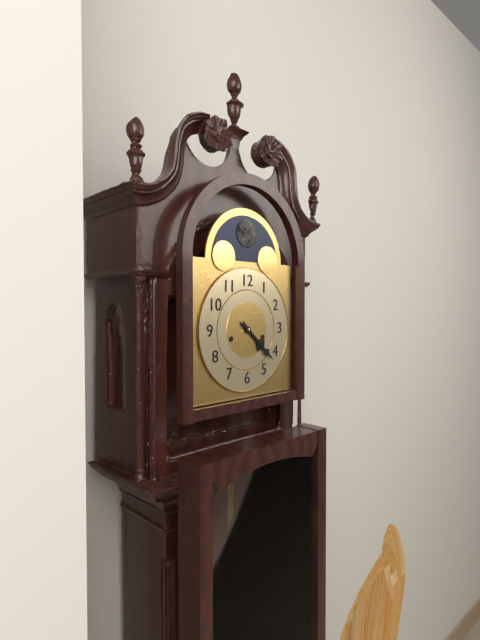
4:22
